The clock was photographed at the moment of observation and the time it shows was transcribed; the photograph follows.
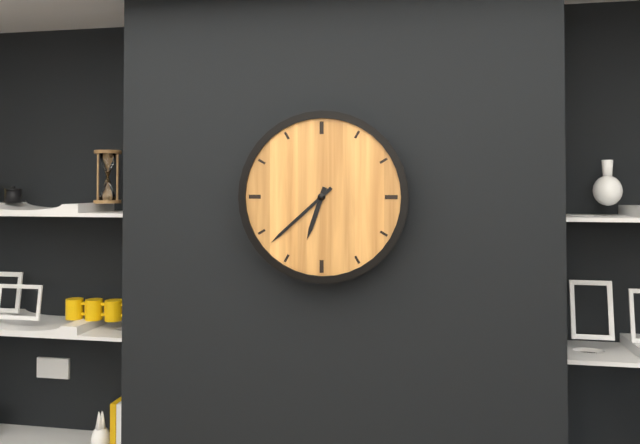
6:38
